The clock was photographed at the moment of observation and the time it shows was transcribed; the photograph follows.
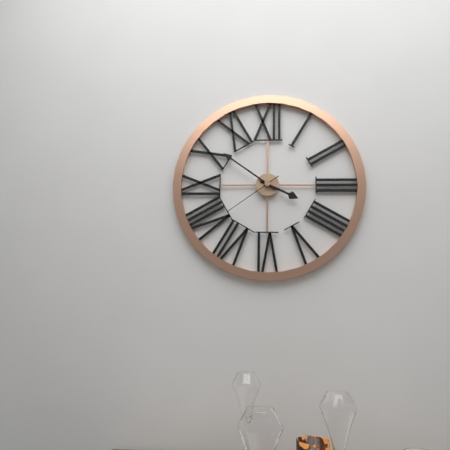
3:51:39
